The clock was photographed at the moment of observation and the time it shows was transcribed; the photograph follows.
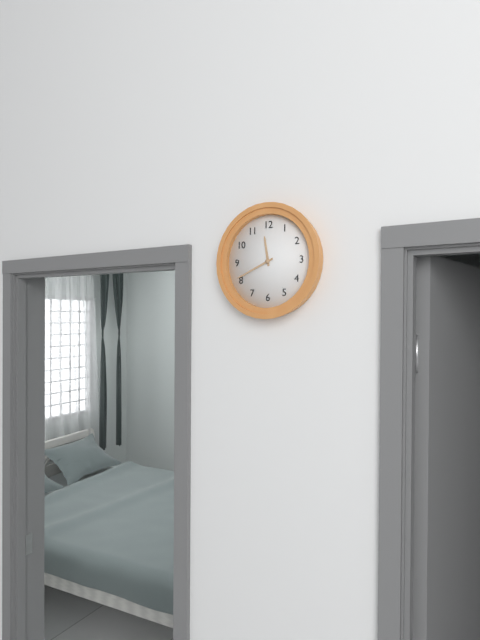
11:41
